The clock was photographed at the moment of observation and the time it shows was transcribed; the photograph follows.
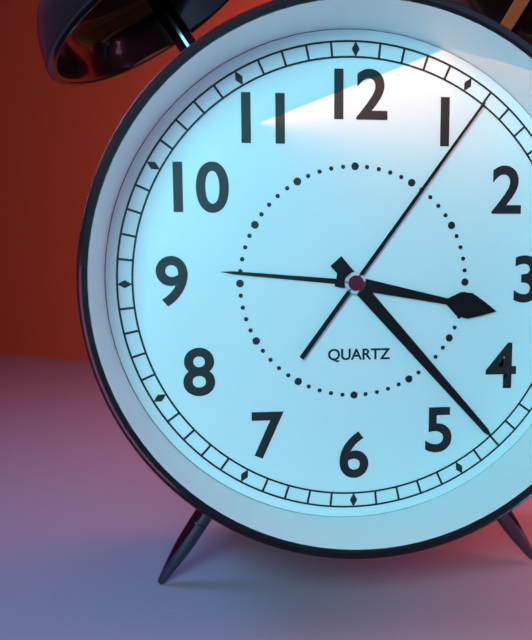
3:23:06
